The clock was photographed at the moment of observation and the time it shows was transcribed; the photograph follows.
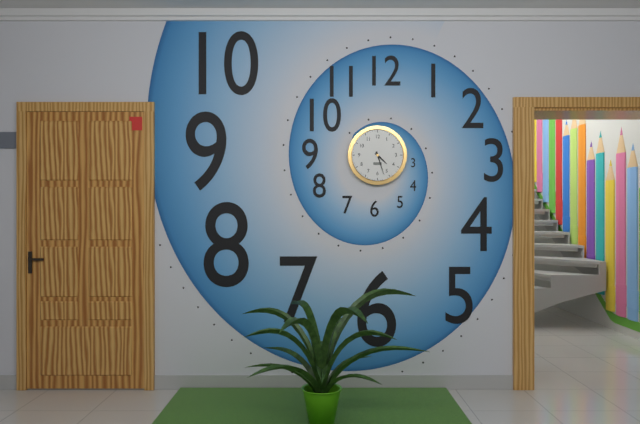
4:27
